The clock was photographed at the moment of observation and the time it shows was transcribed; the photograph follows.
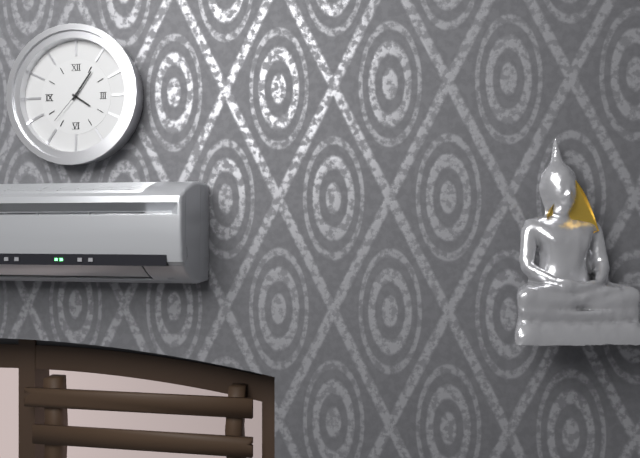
4:06
